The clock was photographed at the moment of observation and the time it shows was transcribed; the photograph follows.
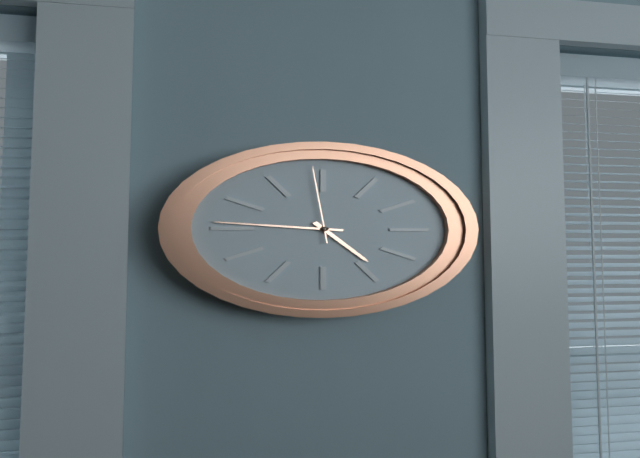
4:46:59
